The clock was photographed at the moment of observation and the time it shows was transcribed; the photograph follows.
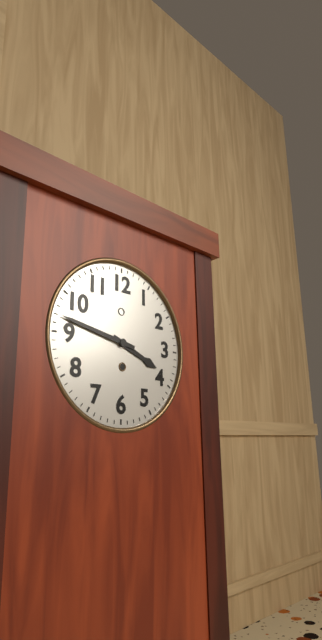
3:47
